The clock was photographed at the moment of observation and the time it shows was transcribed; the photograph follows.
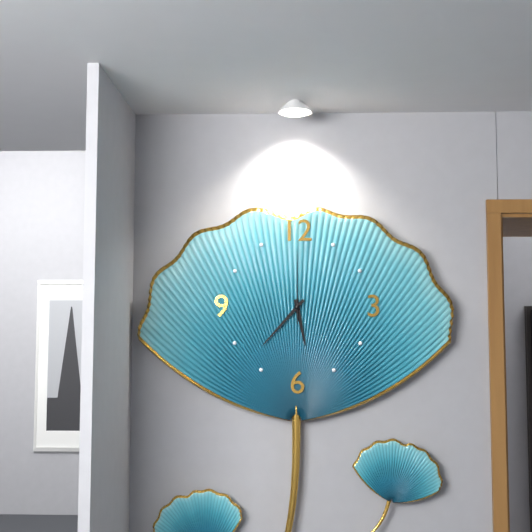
5:37:00
